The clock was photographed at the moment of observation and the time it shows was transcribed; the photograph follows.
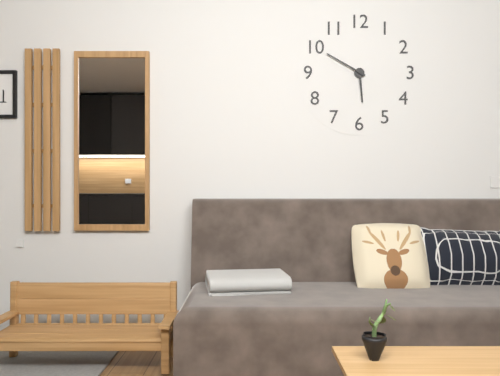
5:50
